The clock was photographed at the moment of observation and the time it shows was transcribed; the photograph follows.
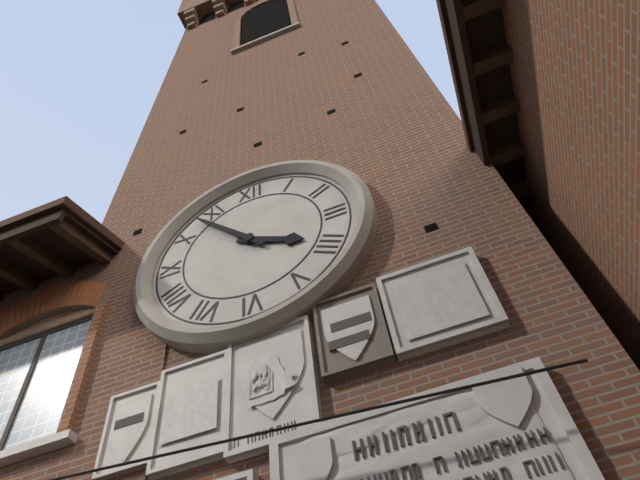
3:53
